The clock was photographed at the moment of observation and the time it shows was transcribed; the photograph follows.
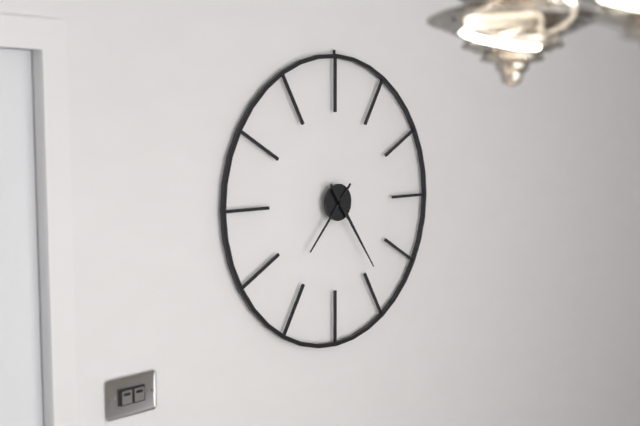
7:24
